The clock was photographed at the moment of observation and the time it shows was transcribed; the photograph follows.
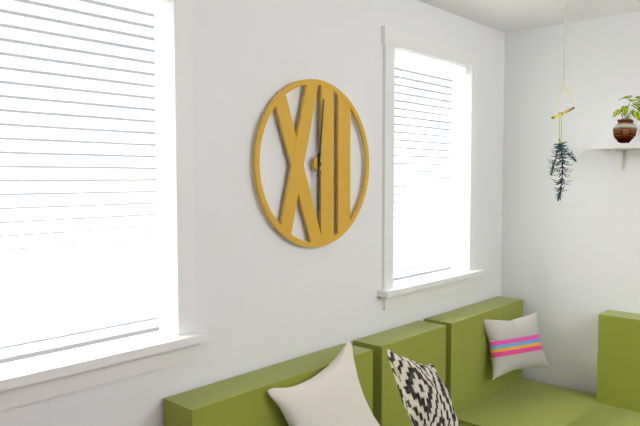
6:01
